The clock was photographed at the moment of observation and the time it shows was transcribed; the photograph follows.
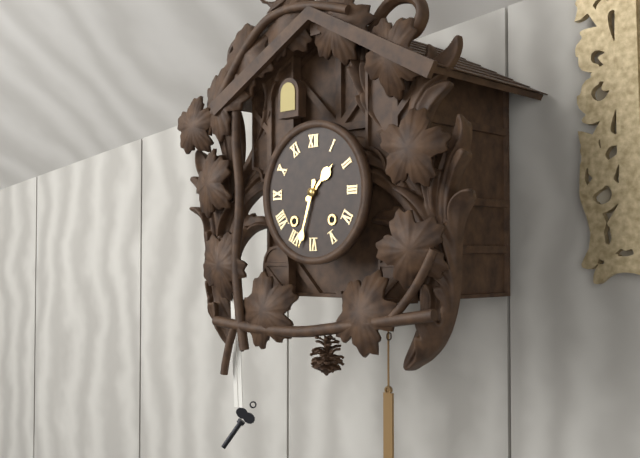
1:33
